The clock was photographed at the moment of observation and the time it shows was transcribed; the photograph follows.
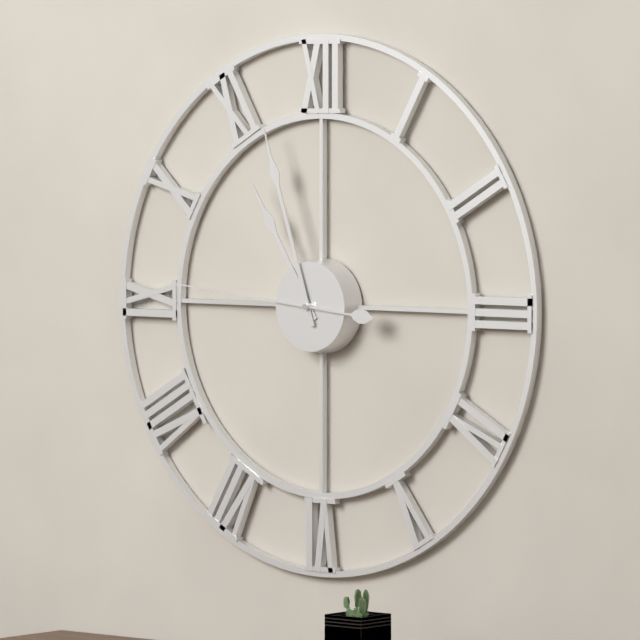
10:57:46
